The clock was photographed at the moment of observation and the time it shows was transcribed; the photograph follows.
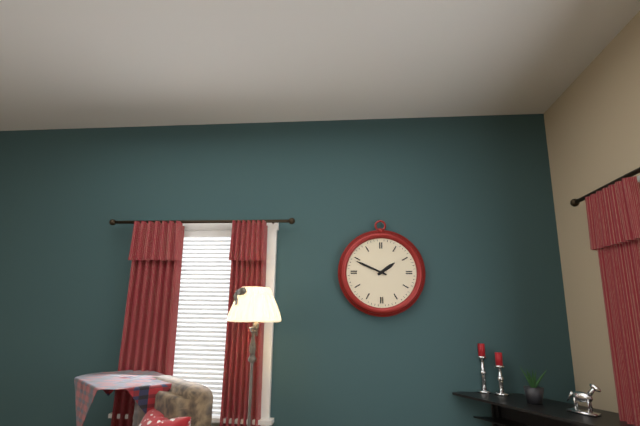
1:49
